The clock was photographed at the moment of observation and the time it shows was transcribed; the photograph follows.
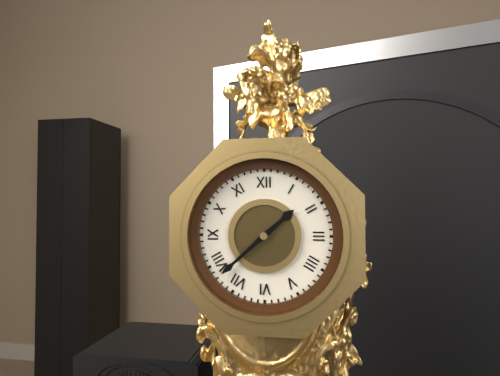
1:38
